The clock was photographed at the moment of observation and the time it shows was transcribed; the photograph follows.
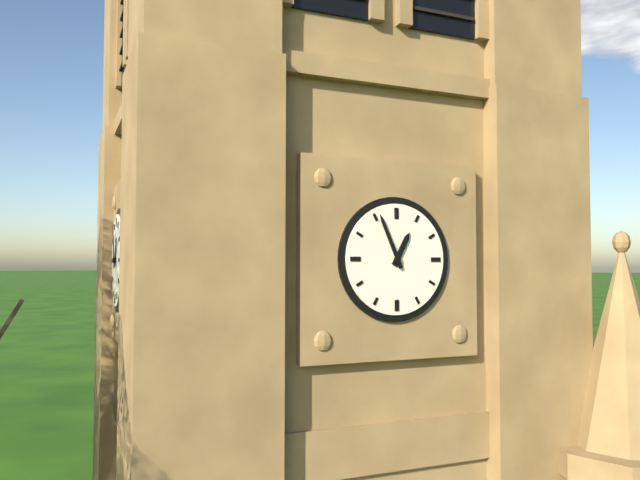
12:56
